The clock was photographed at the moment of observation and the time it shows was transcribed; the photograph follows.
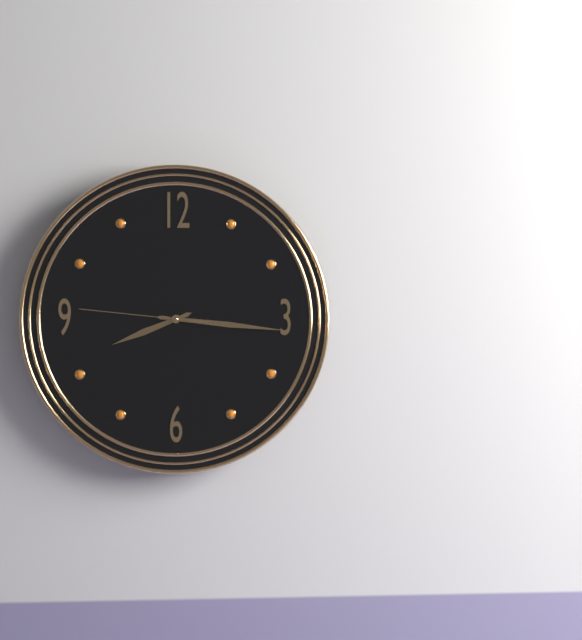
8:16:46
